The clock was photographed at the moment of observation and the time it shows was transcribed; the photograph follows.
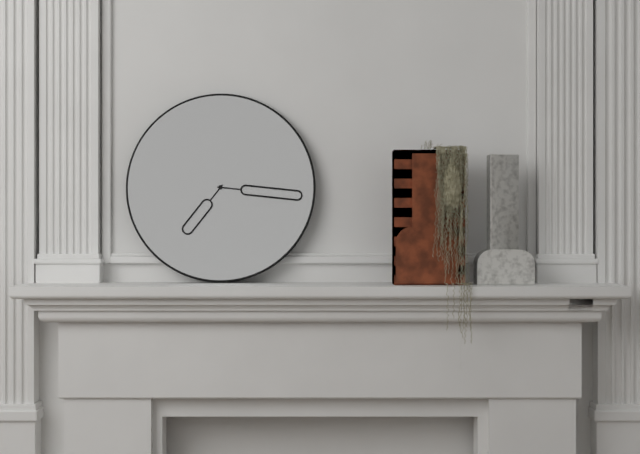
7:16
